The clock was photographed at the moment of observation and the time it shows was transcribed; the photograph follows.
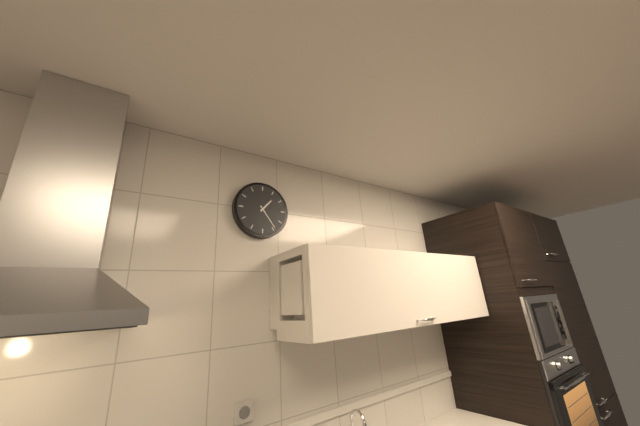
1:24
